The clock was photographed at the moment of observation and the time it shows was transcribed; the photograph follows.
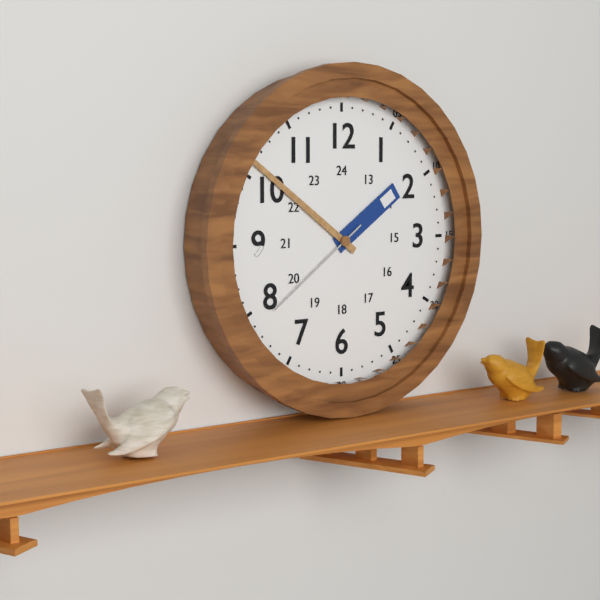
1:51:39
